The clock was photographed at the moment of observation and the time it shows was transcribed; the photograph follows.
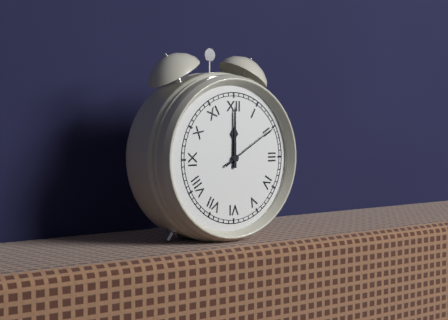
12:00:10
